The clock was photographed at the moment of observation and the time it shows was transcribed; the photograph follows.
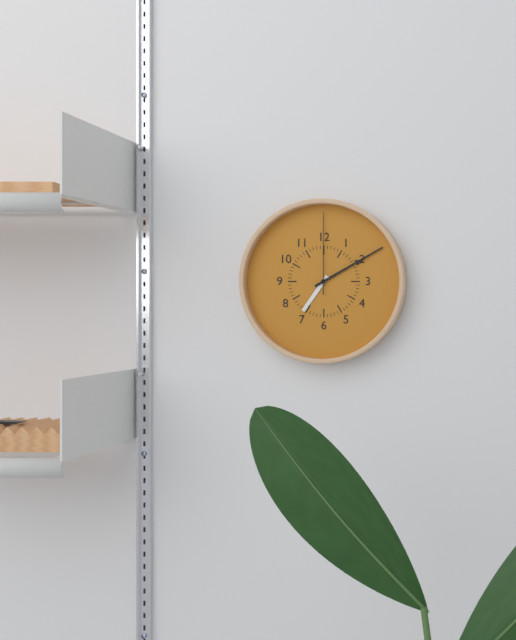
7:10:00
